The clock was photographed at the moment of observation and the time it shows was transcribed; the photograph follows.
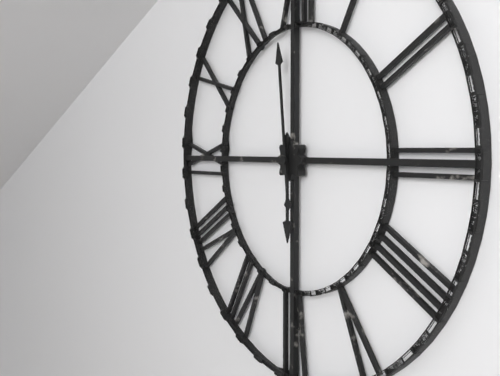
5:59
